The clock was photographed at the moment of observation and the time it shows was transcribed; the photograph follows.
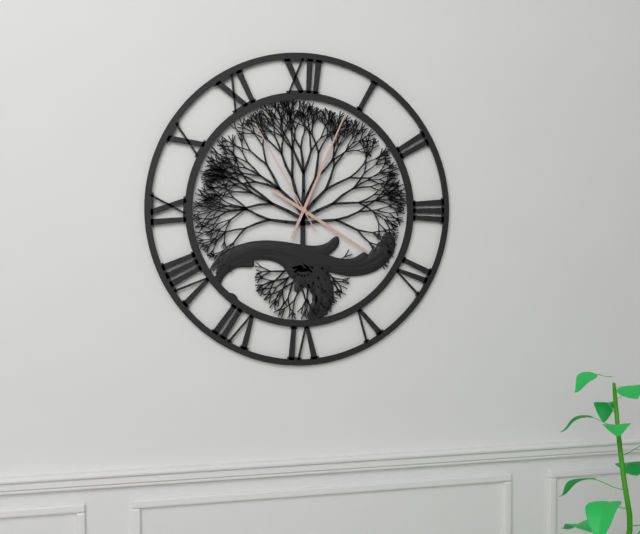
4:04:55
